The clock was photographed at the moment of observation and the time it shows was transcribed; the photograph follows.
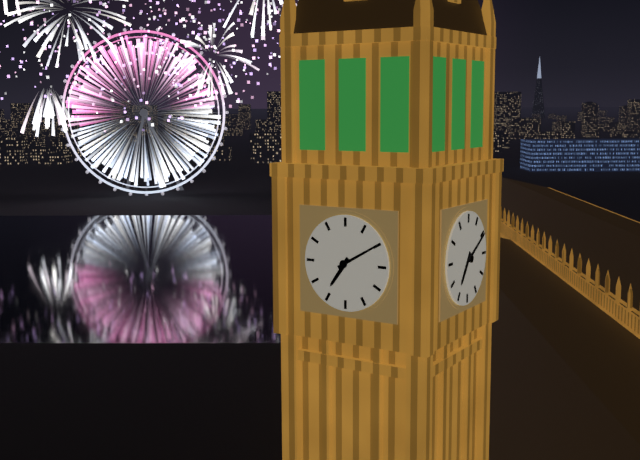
7:10
